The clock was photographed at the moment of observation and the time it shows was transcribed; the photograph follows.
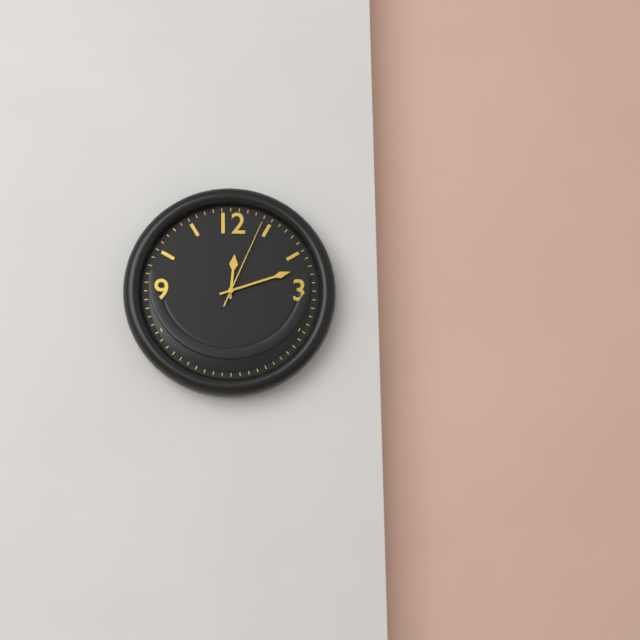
12:12:04
